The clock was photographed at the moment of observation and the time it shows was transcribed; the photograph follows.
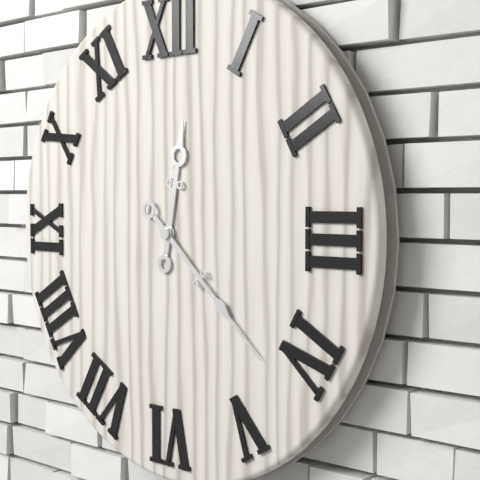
12:22
